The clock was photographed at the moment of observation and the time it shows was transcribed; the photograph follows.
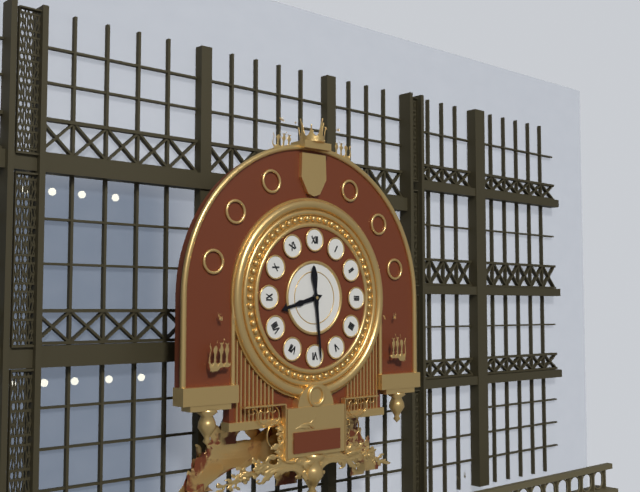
8:29
